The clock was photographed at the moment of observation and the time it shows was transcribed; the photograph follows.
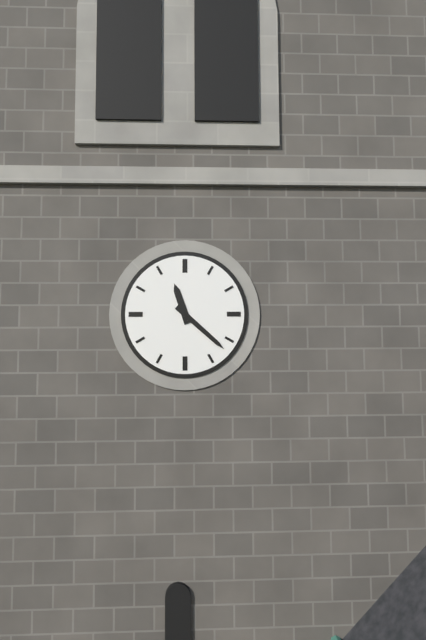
11:22
